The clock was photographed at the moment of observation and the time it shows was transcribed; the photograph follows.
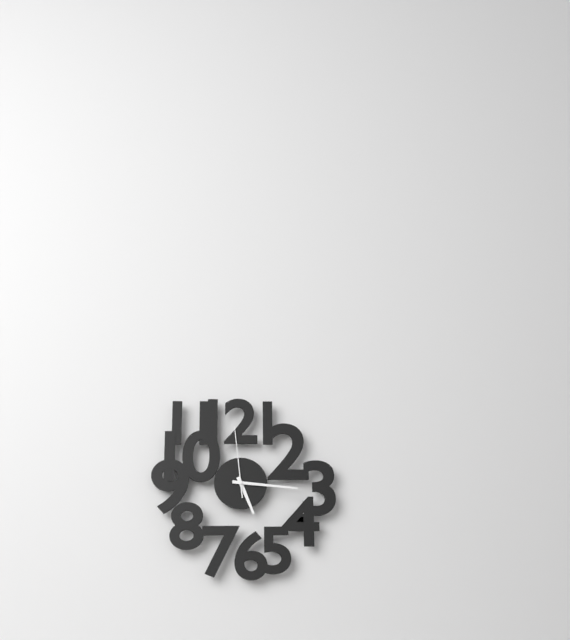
5:16:59
